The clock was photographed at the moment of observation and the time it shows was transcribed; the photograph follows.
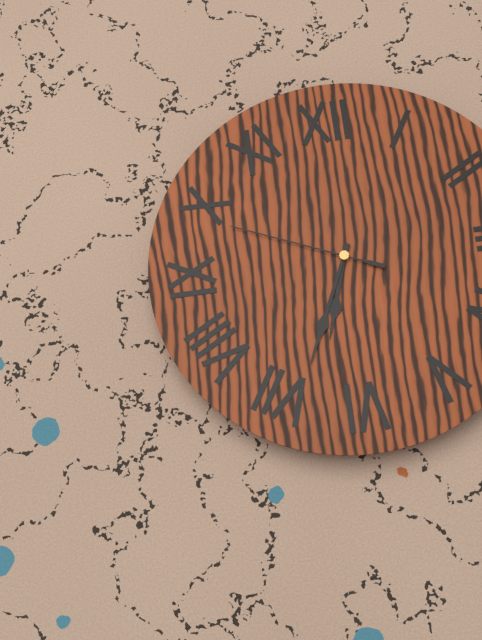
6:34:49
